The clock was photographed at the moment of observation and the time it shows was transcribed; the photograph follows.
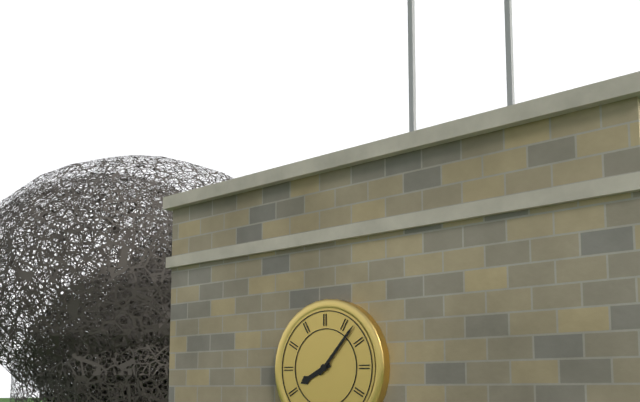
8:07
